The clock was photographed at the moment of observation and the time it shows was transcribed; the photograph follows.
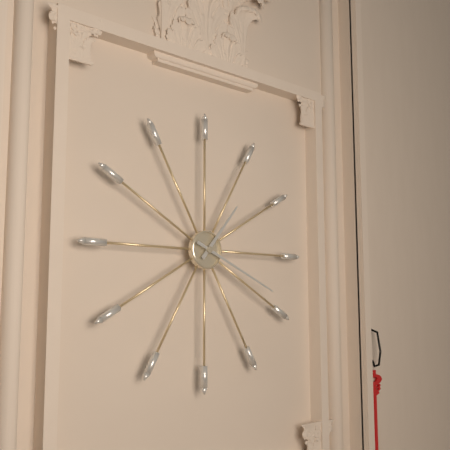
1:19
